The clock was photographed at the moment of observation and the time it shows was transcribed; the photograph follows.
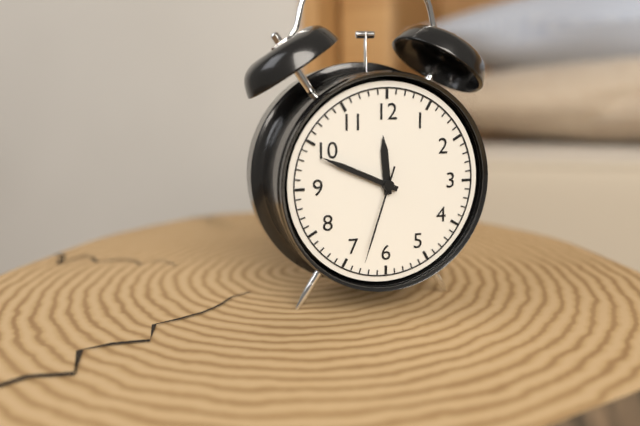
11:49:33
